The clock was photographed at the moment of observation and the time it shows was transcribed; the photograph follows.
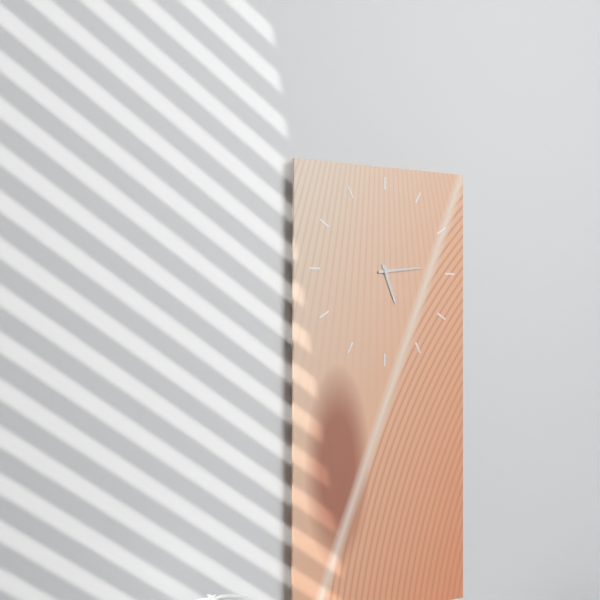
5:14
